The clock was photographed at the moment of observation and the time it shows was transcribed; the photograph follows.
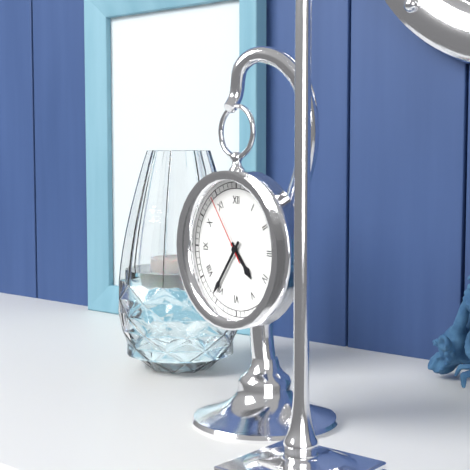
4:36:54
